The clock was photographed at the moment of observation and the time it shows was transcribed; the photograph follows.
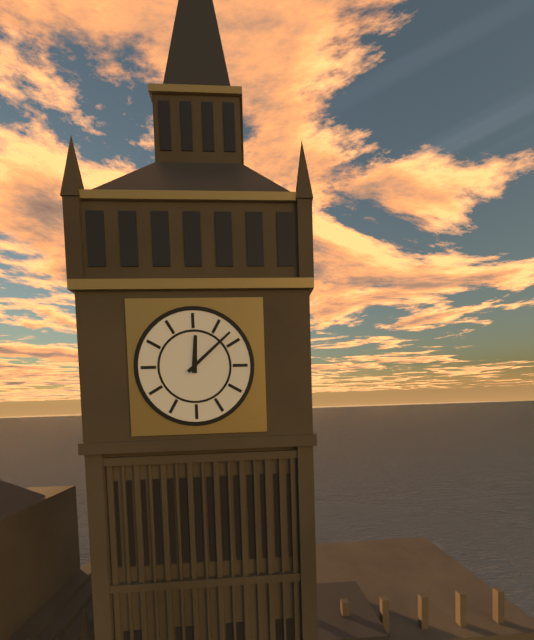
12:08
